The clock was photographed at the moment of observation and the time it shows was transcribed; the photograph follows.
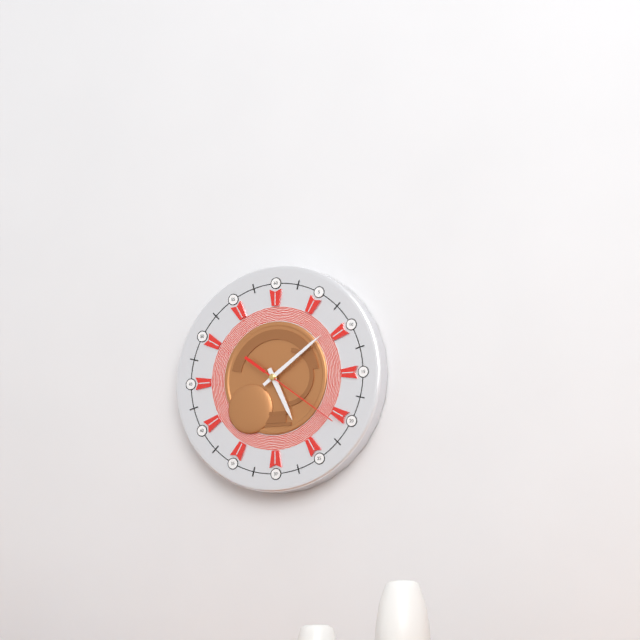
5:09:21
